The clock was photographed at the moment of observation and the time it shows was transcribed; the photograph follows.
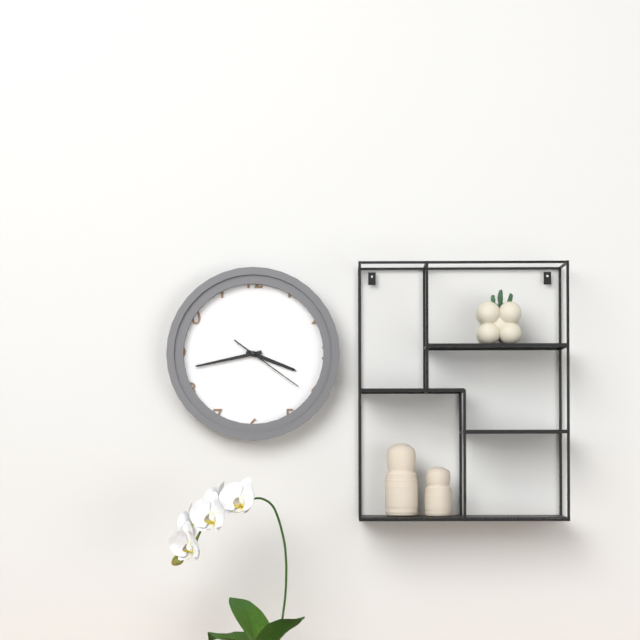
3:43:21
